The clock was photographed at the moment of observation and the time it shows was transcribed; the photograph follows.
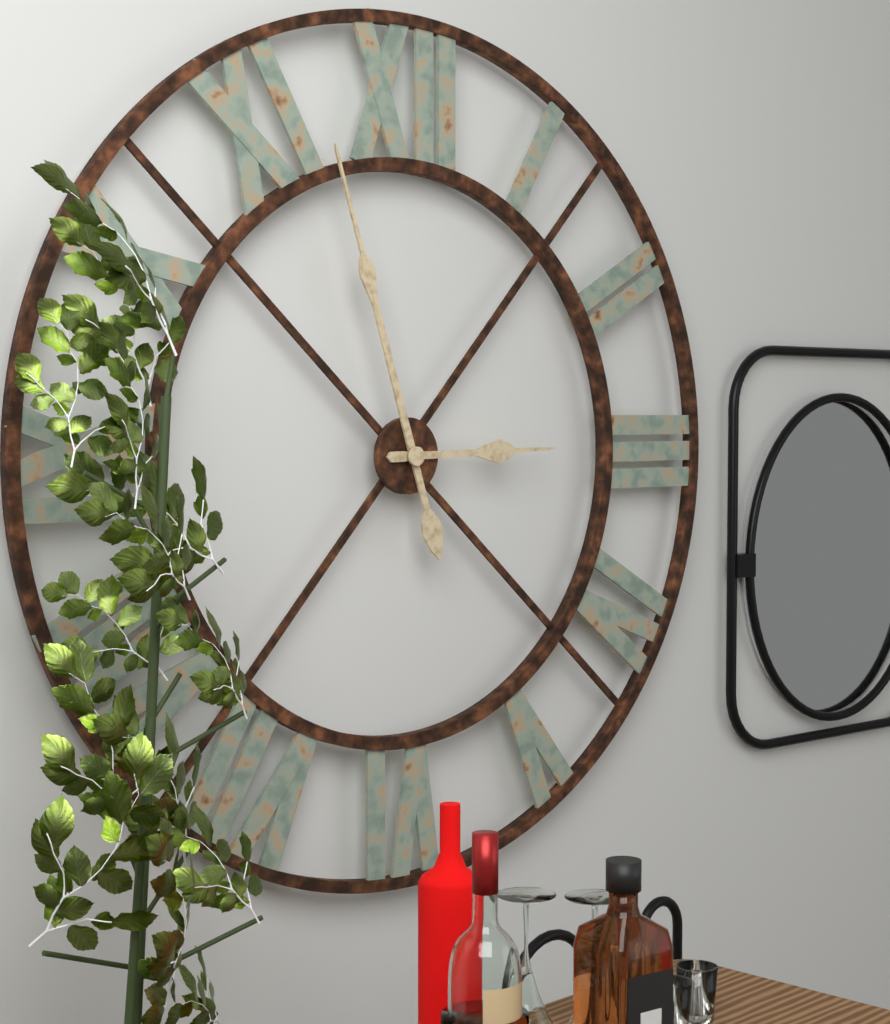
2:57
